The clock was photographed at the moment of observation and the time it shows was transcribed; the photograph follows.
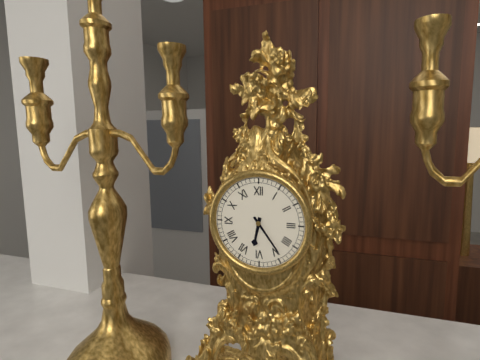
6:24
